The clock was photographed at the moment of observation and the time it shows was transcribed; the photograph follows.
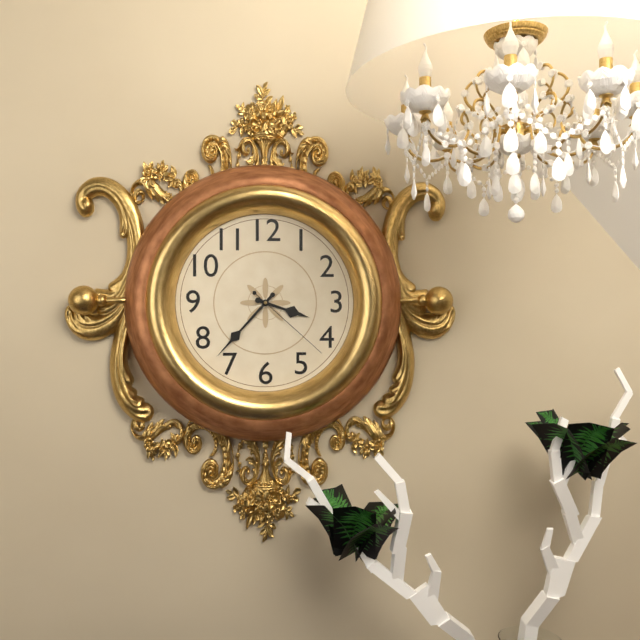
3:37:22
